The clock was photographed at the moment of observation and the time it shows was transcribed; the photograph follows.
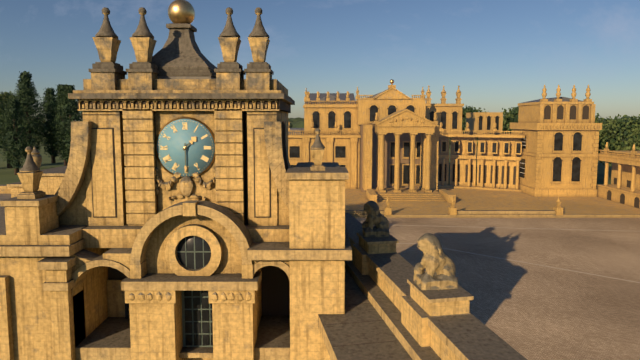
1:30
